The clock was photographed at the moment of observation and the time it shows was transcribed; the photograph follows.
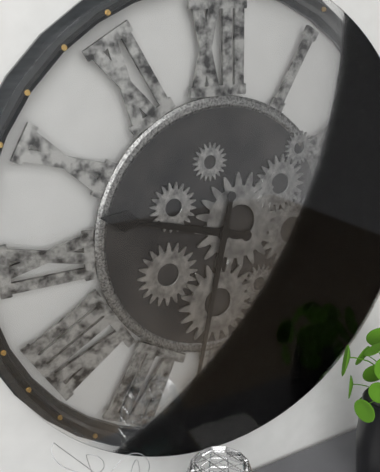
9:32
